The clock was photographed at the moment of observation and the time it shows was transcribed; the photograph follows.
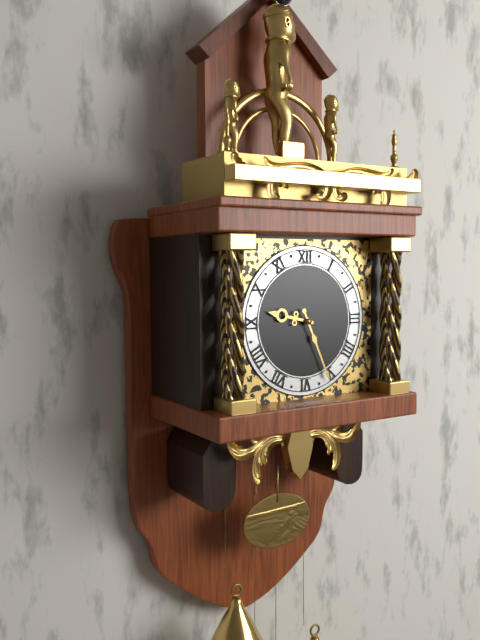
9:26
